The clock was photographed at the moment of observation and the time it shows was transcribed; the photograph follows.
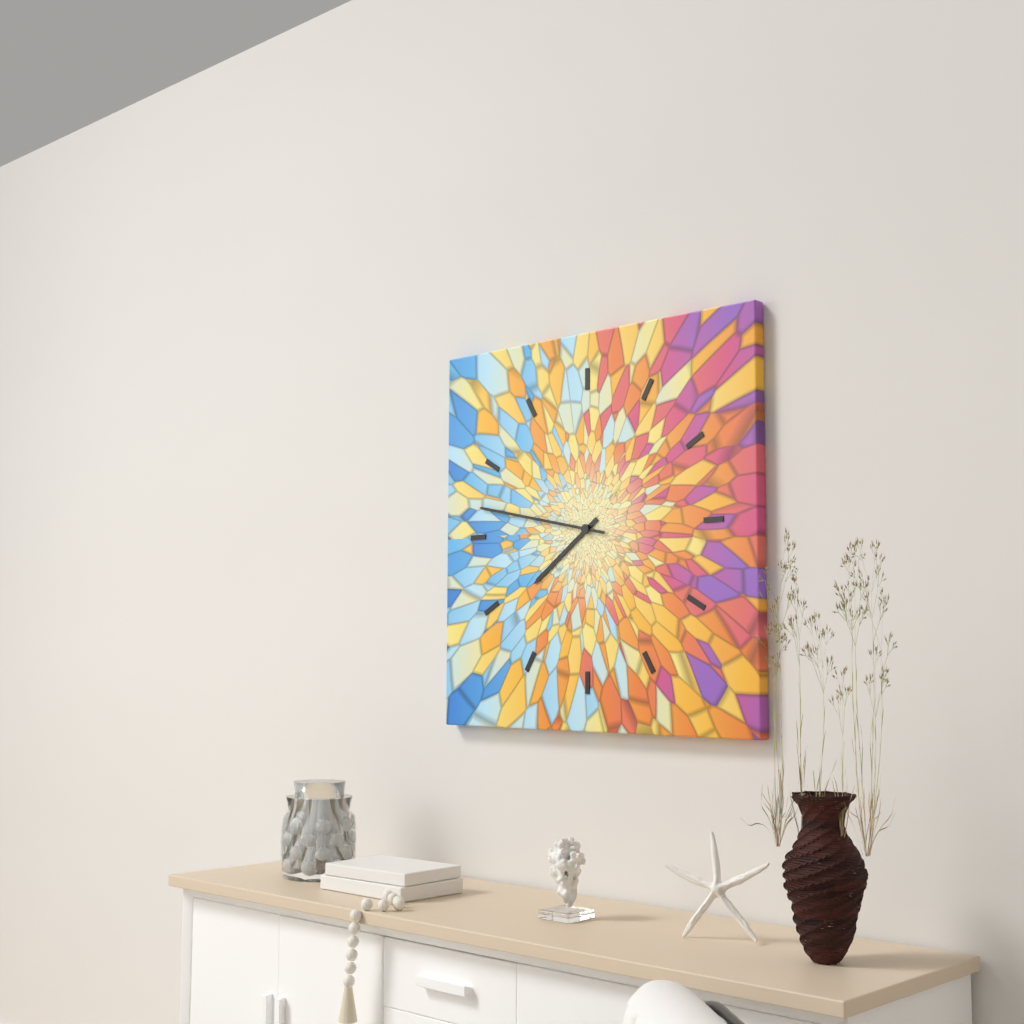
7:47
